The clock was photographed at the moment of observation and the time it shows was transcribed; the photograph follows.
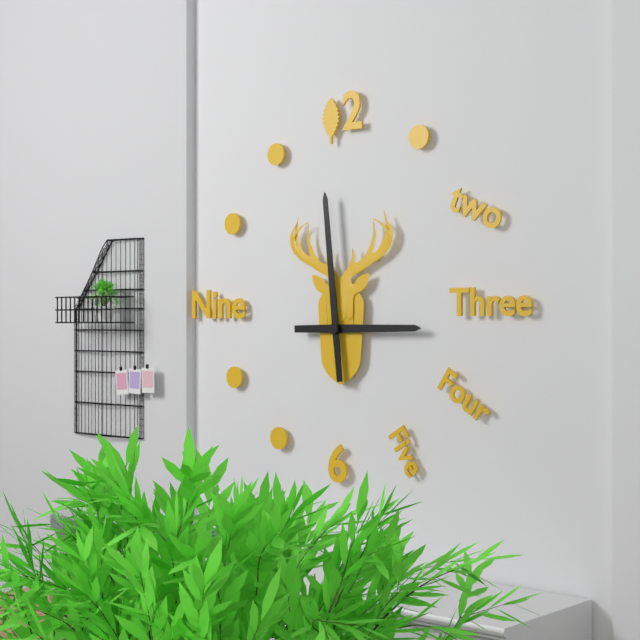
2:59
